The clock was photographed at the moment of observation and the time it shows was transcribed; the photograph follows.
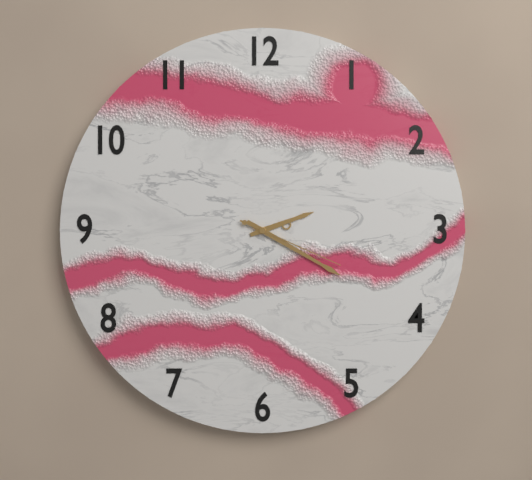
2:20:19
